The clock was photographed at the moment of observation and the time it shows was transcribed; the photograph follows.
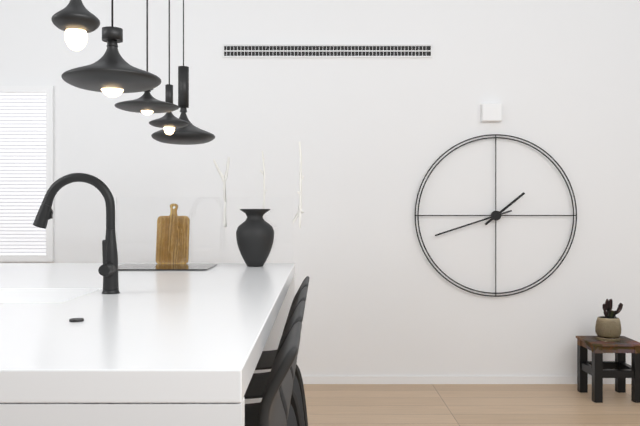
1:42
